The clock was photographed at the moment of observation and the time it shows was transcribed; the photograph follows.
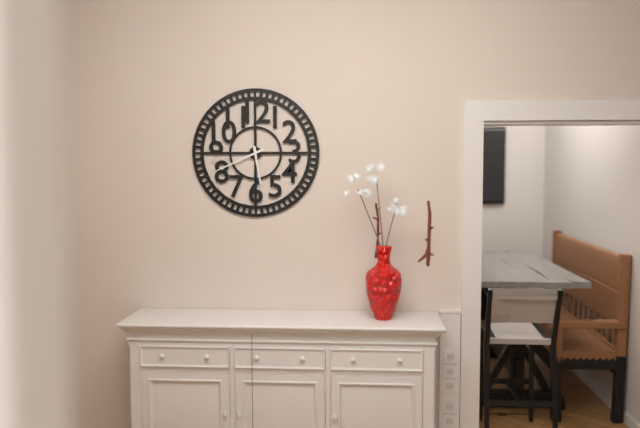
5:41
